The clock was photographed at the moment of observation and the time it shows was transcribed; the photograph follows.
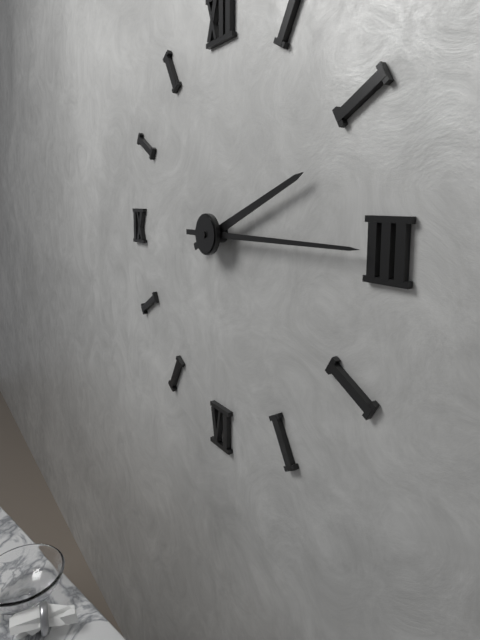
2:15
